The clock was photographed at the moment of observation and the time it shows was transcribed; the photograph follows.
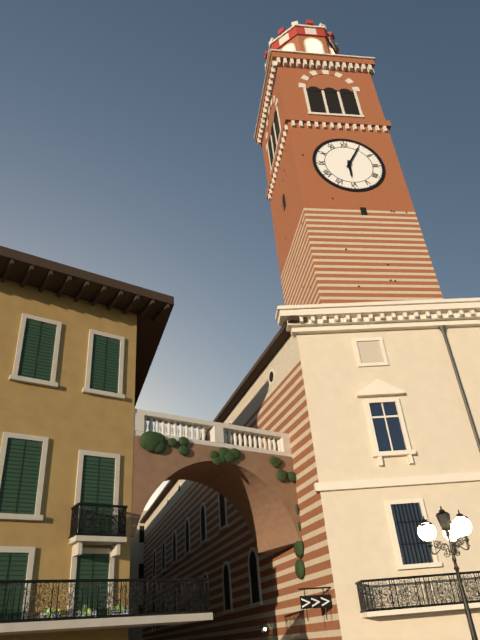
6:05
